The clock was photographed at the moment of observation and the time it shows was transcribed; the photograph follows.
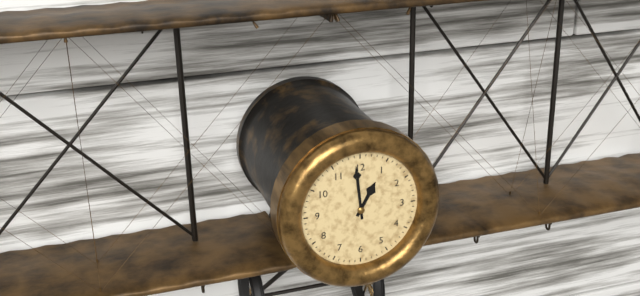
12:59
